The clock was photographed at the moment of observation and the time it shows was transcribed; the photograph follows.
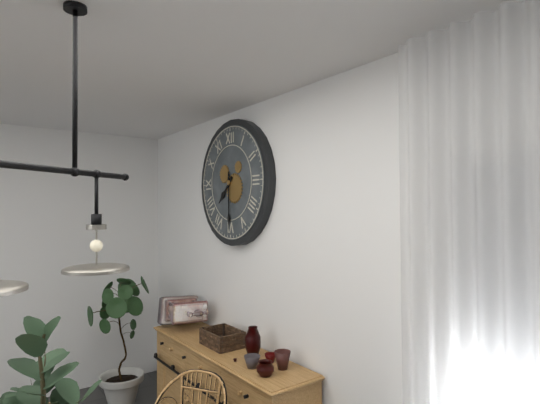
7:30
